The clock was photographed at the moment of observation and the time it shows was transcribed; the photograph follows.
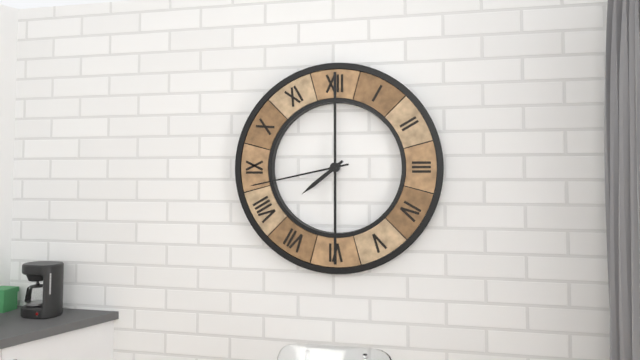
7:43
